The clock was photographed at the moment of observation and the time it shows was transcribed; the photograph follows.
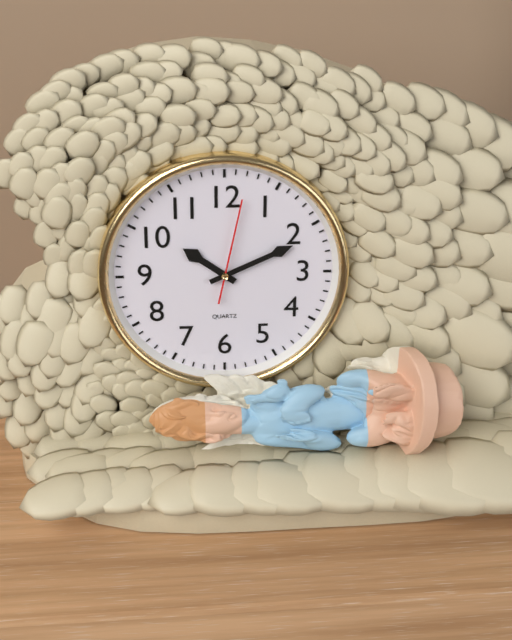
10:11:02
